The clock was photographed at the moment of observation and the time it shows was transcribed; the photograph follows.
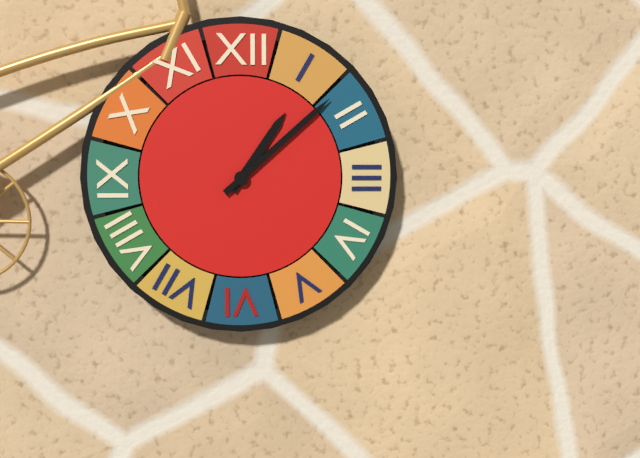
1:08
